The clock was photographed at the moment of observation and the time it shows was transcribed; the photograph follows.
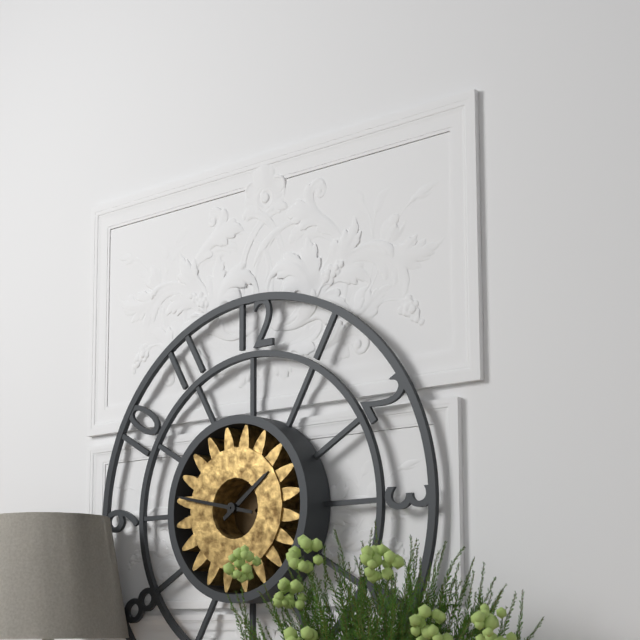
1:47
